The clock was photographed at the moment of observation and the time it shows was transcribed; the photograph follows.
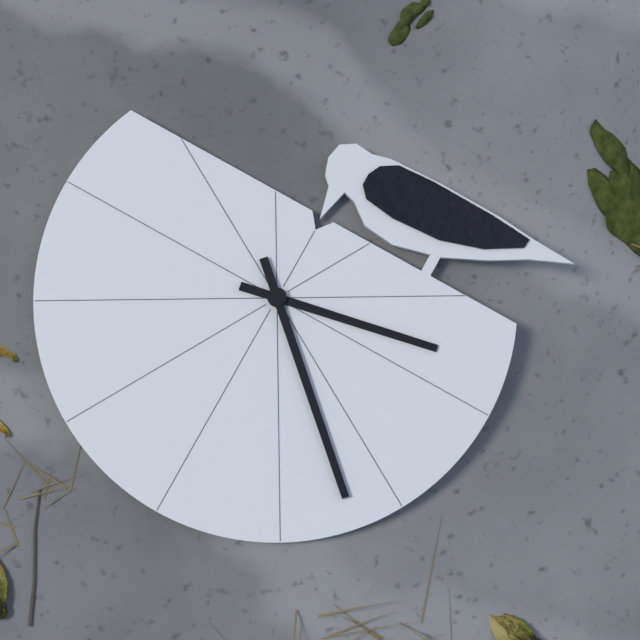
5:37
